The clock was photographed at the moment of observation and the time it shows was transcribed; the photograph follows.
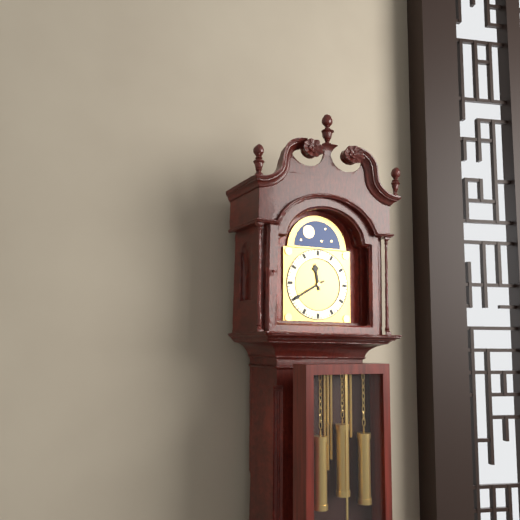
11:40
